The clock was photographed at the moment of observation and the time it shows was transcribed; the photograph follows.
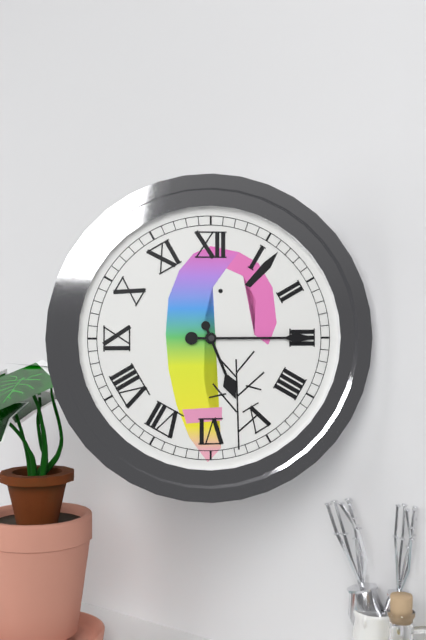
5:15
